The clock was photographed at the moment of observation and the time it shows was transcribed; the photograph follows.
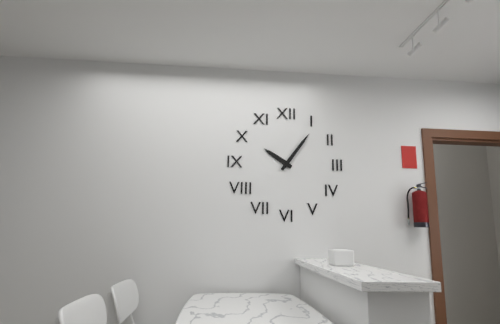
10:06
